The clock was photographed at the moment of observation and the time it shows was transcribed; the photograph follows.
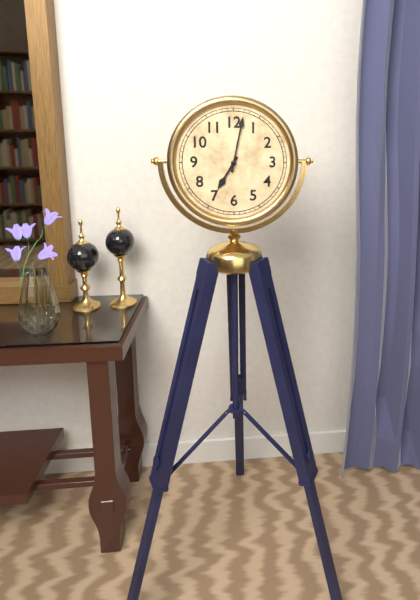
7:02
